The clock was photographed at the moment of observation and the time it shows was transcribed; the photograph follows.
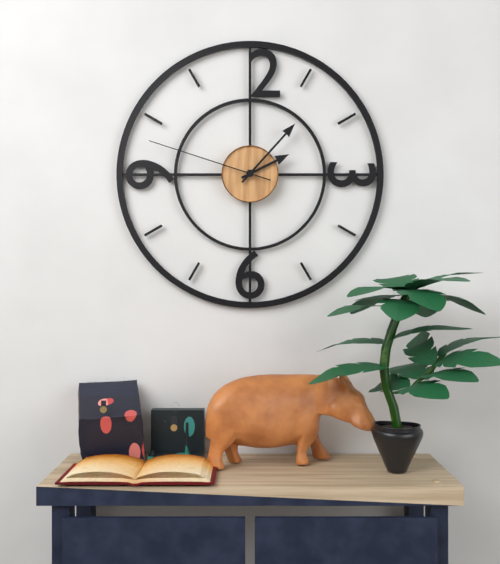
2:07:48
